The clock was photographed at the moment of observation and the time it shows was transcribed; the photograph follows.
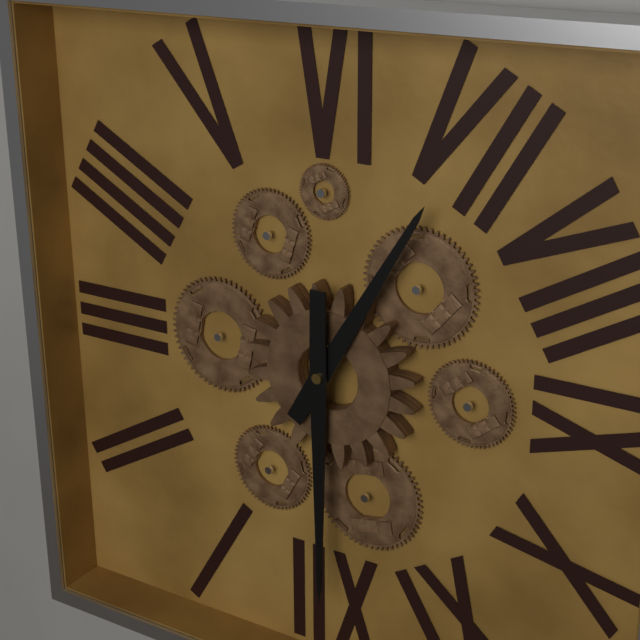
7:00
